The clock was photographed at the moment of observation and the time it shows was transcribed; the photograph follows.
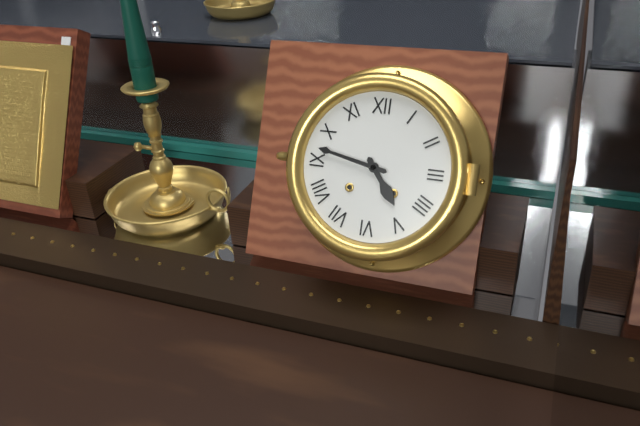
4:47
